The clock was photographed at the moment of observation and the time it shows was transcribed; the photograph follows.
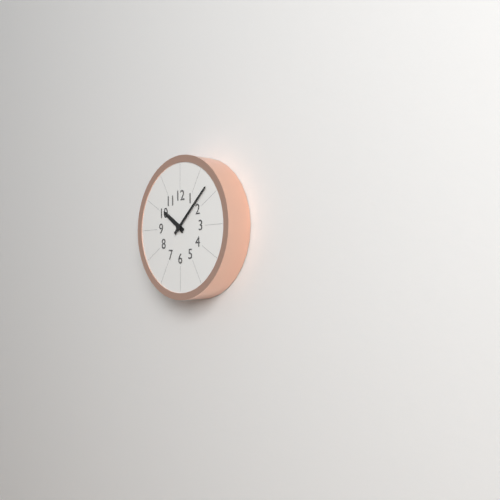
10:08
